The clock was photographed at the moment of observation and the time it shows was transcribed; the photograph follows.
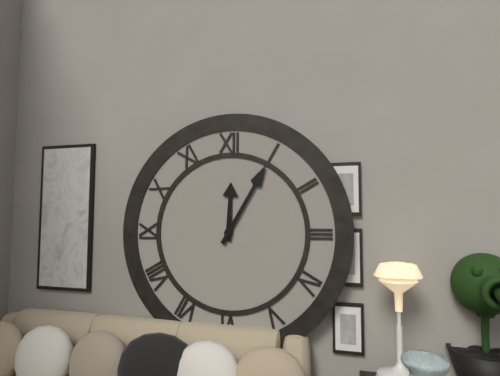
12:05
